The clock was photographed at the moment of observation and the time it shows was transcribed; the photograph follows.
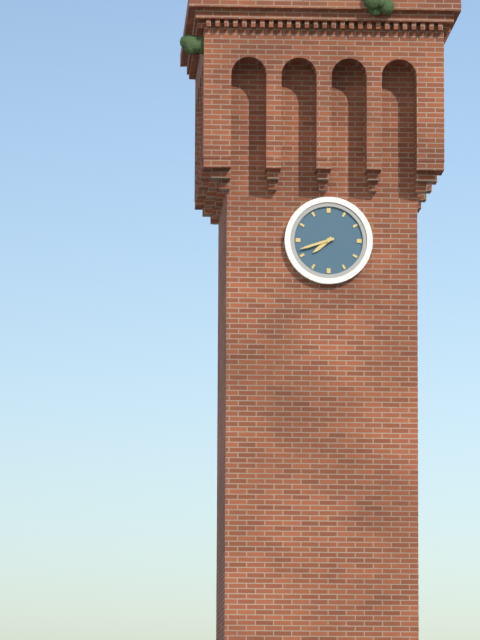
7:42
